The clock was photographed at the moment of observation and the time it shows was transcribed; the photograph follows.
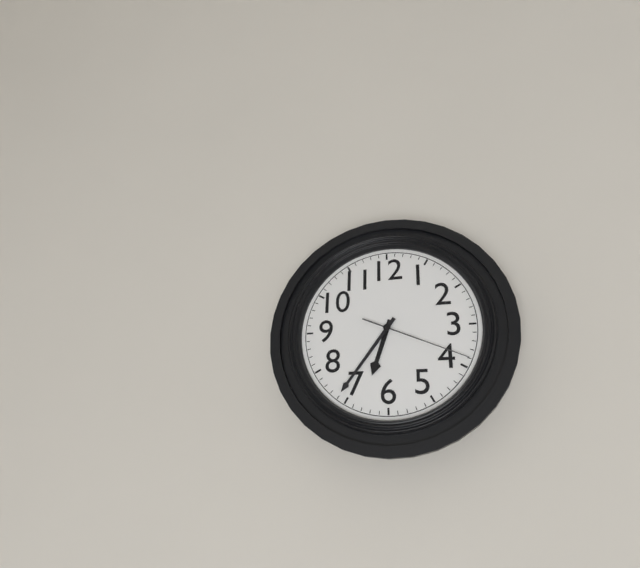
6:36:19
